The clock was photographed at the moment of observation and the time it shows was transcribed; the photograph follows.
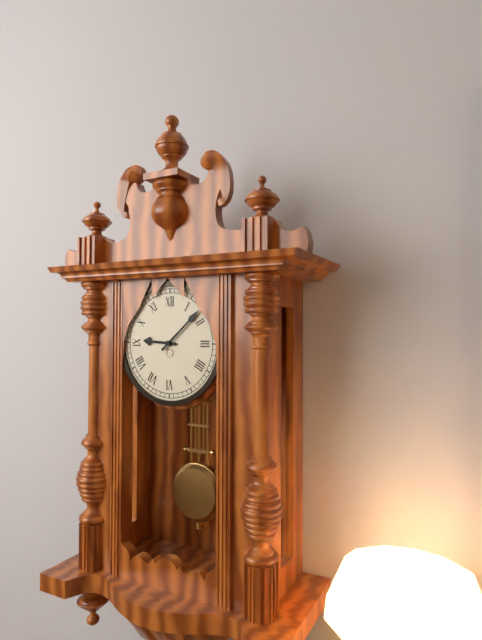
9:08
